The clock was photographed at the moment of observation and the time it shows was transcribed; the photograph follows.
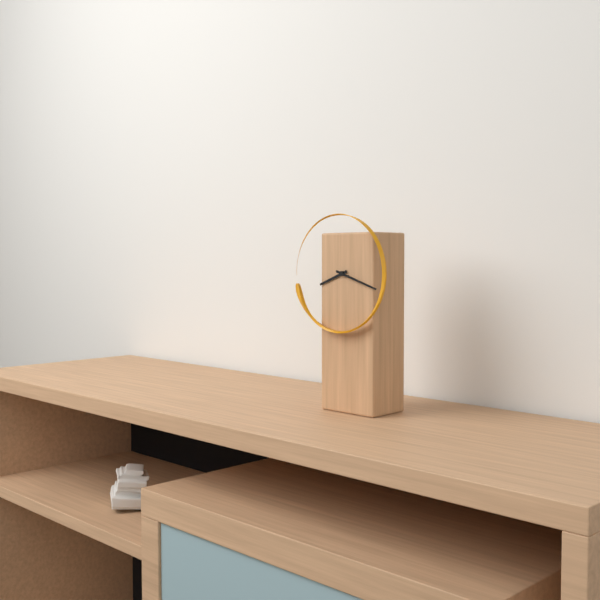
8:18
